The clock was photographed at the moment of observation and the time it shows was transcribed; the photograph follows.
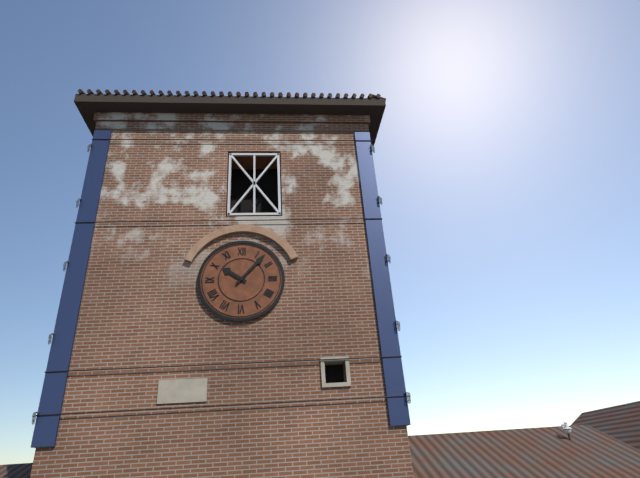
10:07
